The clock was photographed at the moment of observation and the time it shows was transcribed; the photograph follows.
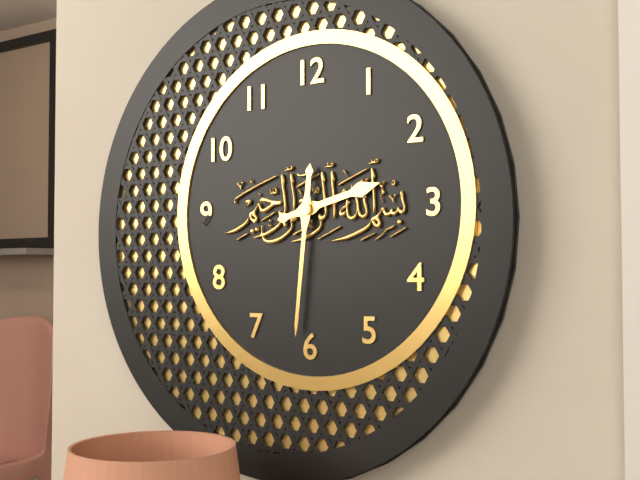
2:31
